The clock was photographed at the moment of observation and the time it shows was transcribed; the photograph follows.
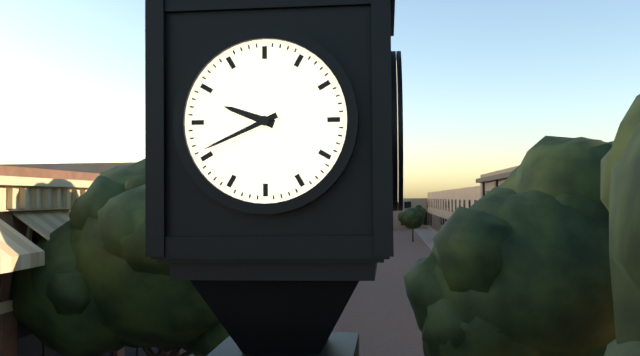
9:41
